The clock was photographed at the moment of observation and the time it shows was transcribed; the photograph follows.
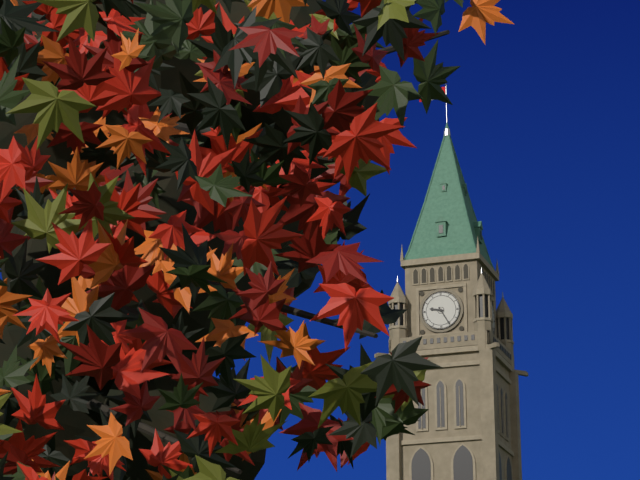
9:25
